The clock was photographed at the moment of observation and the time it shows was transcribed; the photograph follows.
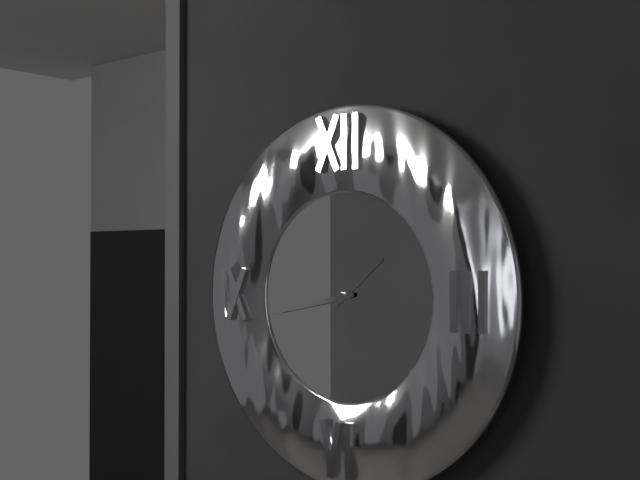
1:43
